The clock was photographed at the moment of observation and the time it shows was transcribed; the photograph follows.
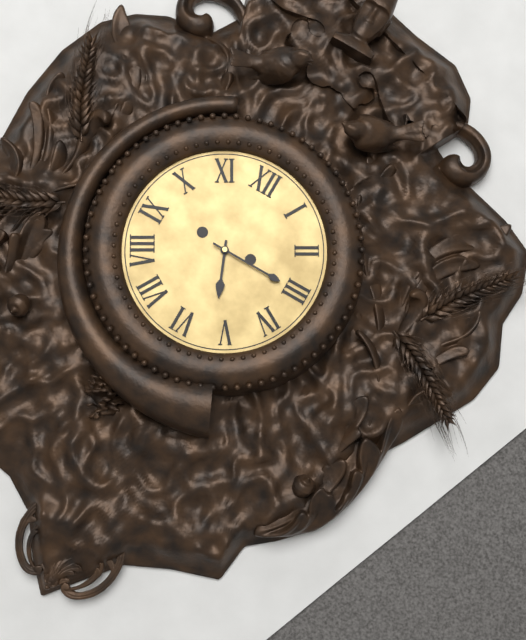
5:15
